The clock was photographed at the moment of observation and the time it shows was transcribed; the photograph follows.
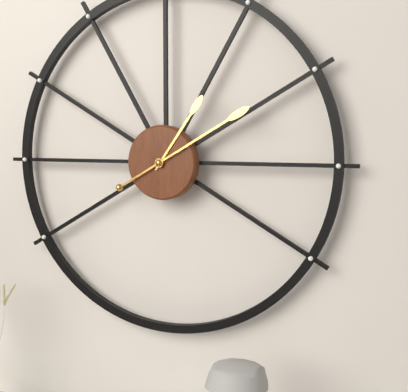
1:10
